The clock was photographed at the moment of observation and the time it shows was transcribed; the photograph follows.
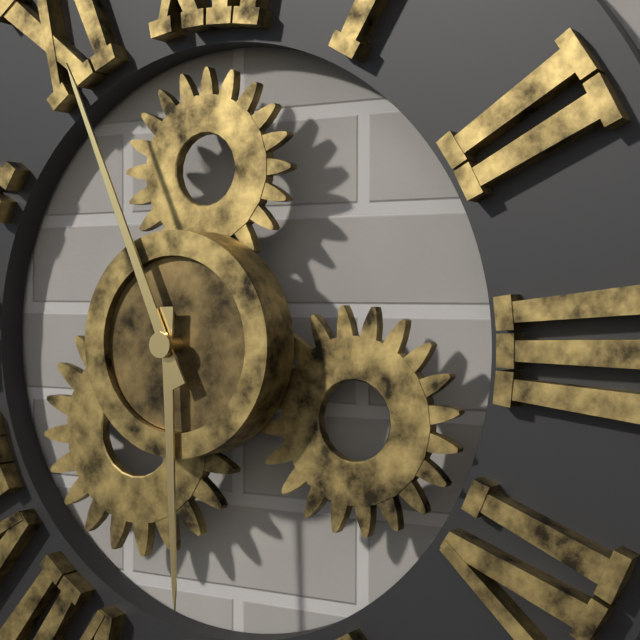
5:56
